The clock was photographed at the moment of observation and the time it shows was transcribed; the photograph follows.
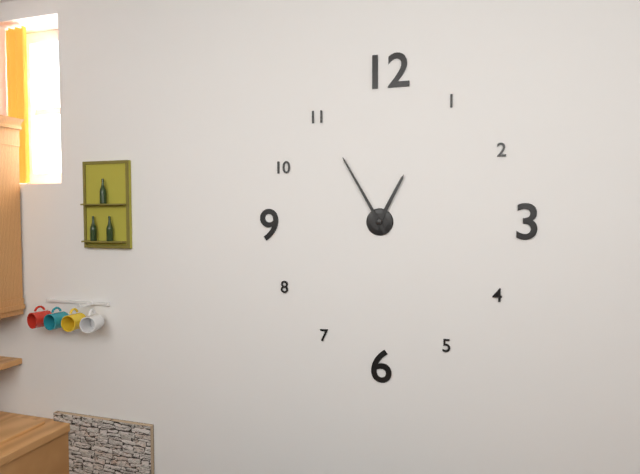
12:55
